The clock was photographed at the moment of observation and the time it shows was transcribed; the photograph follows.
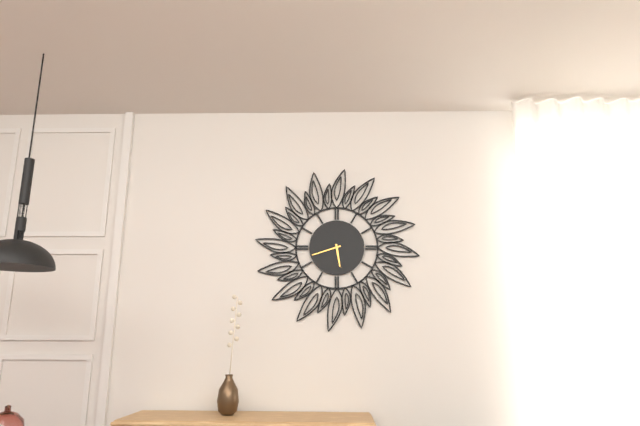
5:42
